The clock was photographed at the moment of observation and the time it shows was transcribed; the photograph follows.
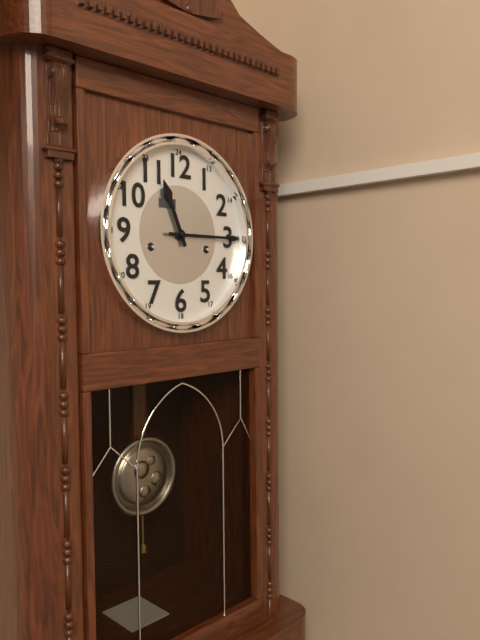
11:15
